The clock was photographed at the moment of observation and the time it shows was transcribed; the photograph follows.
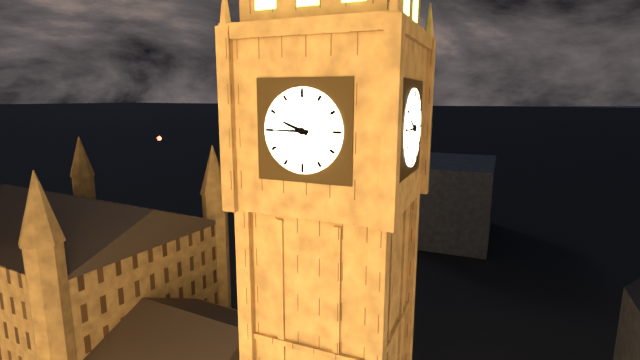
9:45
